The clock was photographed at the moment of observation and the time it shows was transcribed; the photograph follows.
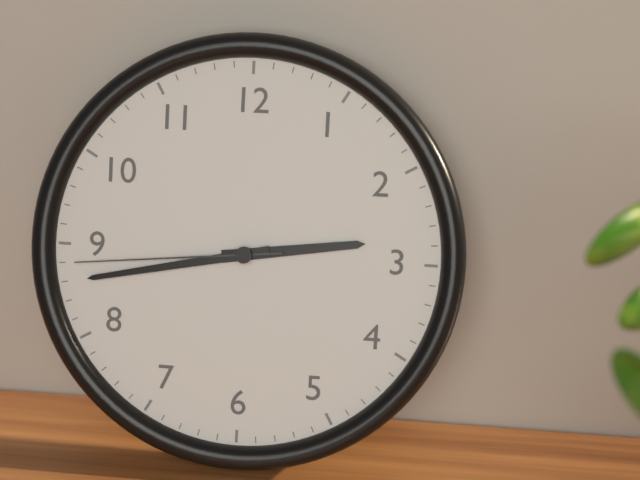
2:43:44
